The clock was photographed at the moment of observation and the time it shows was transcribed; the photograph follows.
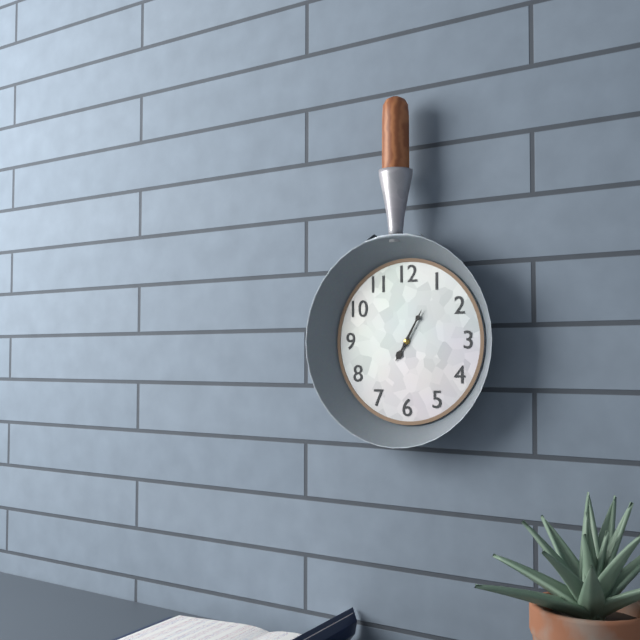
7:05
